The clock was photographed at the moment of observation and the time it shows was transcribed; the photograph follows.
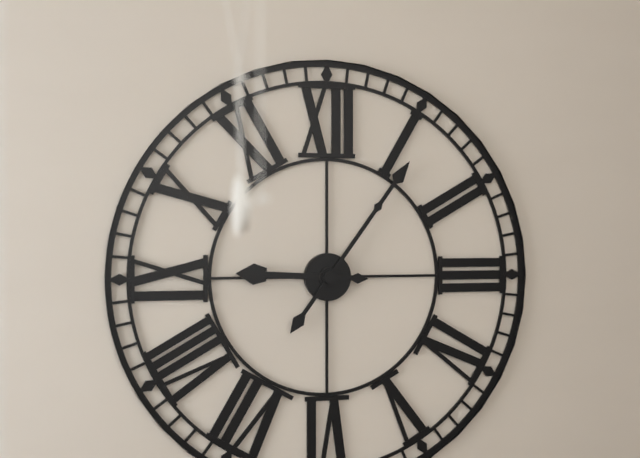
9:06
